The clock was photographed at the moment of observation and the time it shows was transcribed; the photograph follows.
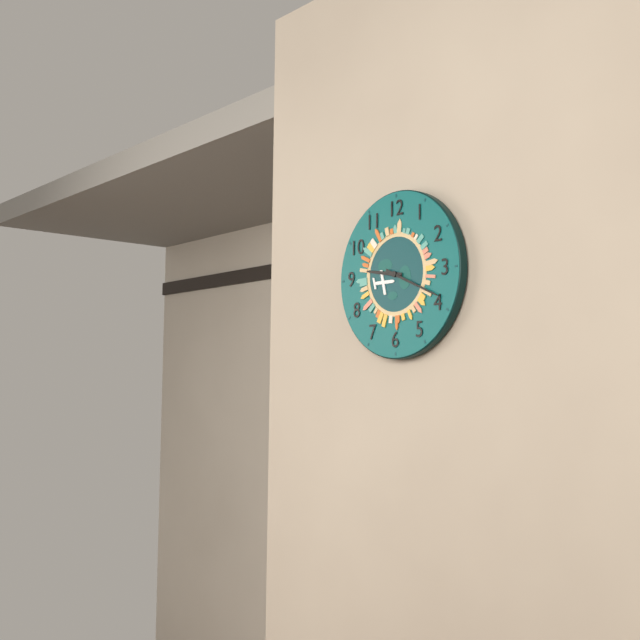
9:19
